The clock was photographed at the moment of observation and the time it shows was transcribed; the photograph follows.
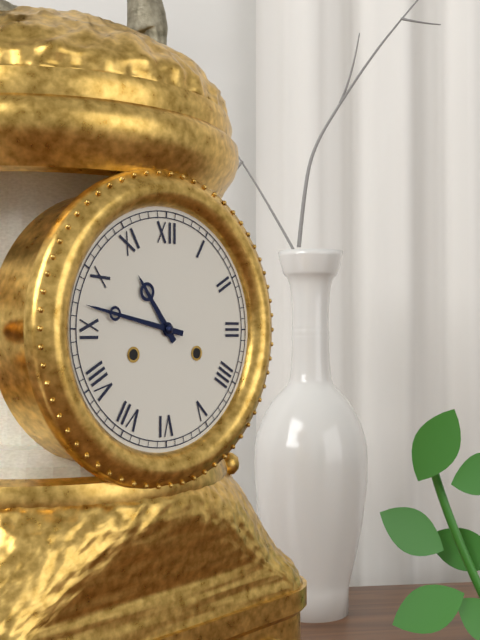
10:47
